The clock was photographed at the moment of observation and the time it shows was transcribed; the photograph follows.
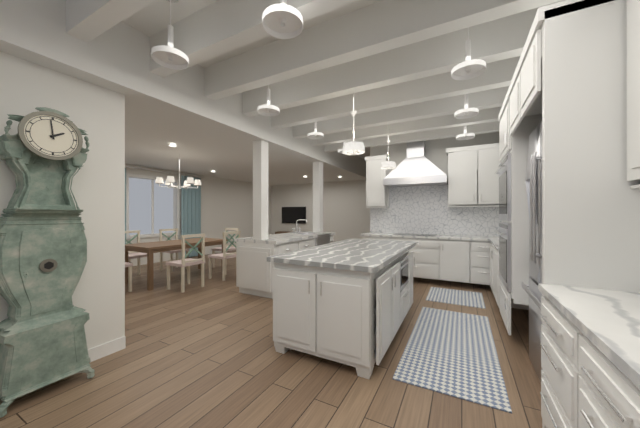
1:59
